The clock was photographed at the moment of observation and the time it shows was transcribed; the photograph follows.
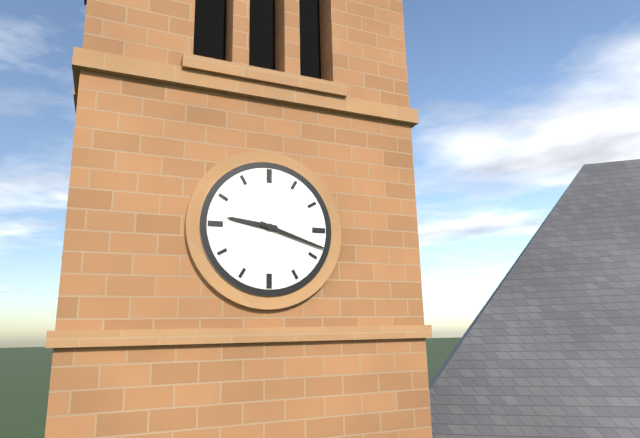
9:18
